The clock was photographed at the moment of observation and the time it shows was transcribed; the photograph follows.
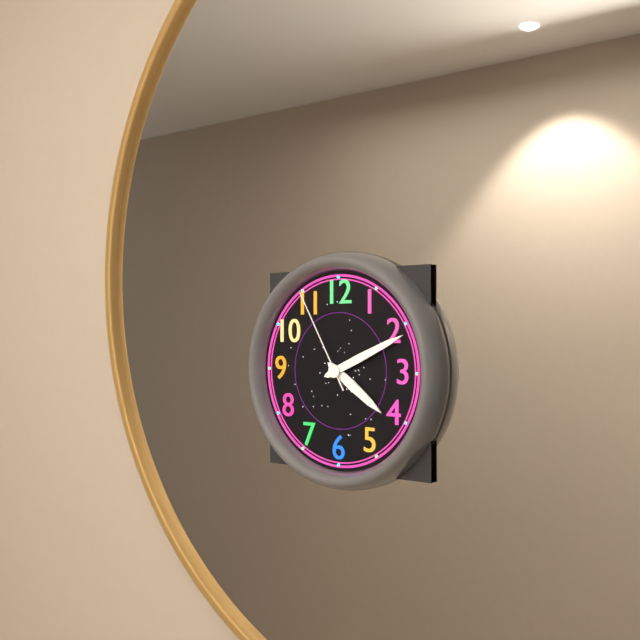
4:11:55
